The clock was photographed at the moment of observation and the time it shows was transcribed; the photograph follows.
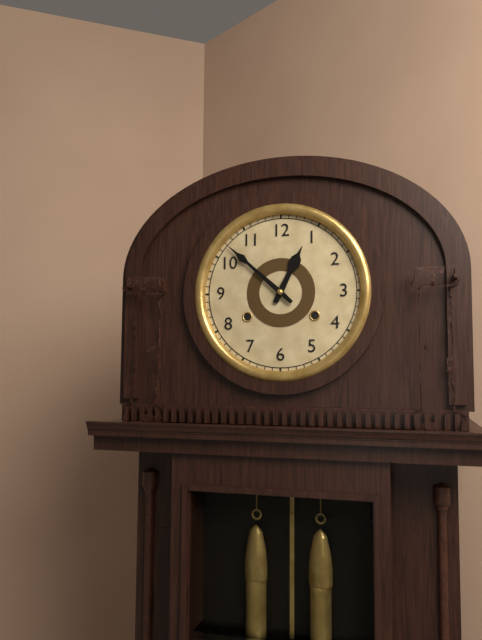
12:52
